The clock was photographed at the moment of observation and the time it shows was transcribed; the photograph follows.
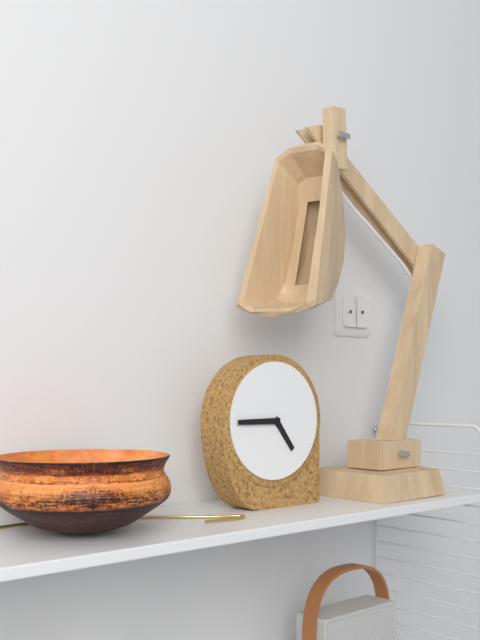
4:45
